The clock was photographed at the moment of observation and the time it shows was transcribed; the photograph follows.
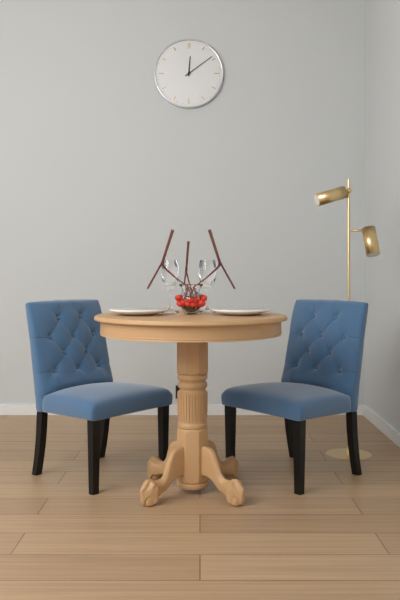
12:09
